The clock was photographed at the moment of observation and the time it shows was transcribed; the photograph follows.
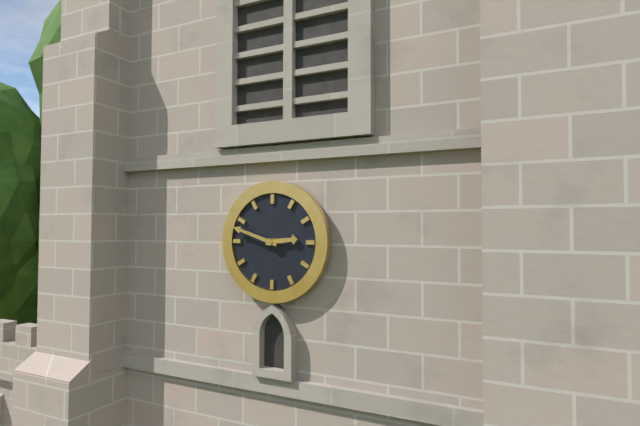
2:48
